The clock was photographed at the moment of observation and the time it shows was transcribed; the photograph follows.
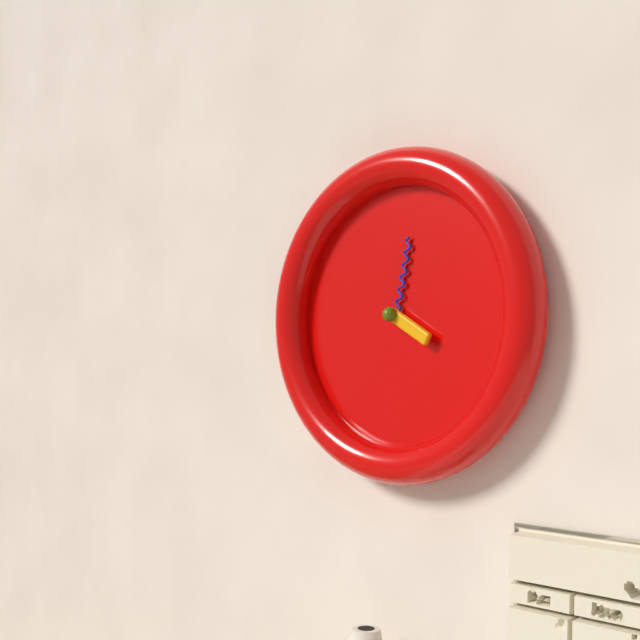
4:02
